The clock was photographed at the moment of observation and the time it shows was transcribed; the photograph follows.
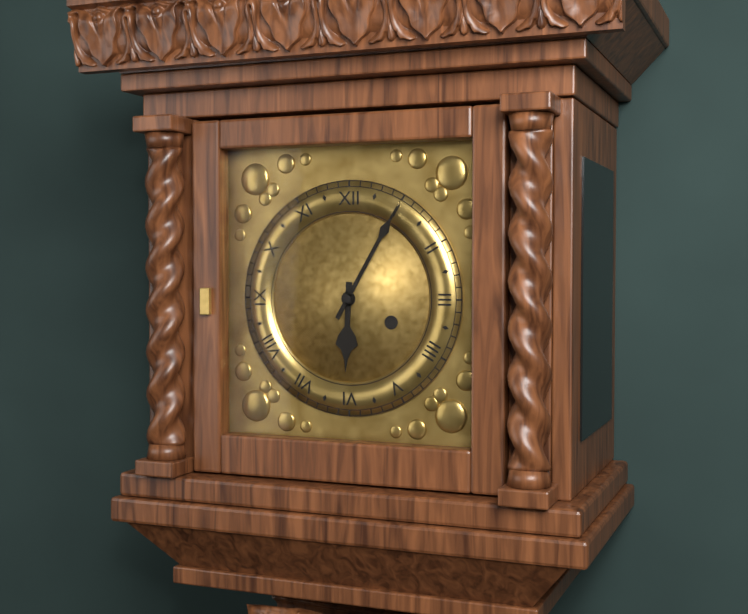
6:05
